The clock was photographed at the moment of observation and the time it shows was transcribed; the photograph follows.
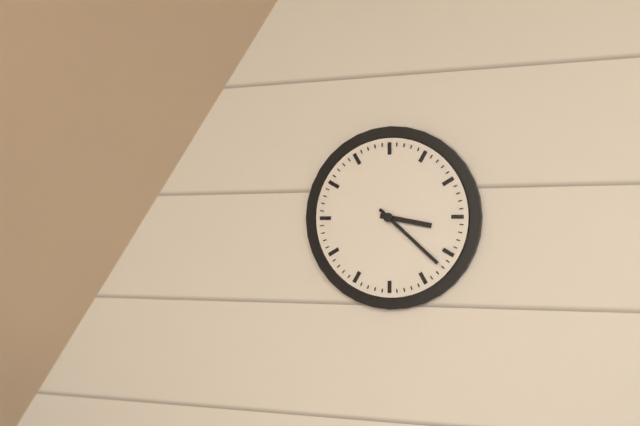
3:22
